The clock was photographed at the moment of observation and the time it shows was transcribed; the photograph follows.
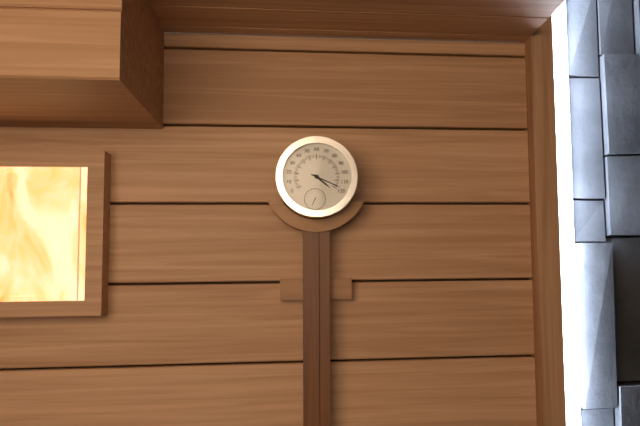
4:19
